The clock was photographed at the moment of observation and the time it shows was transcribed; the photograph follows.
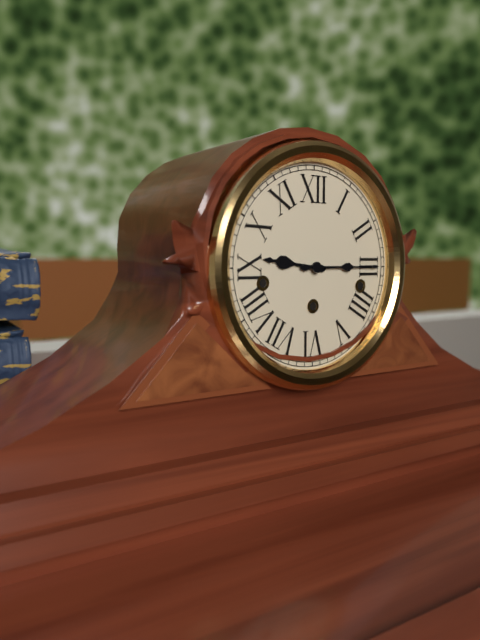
9:15
